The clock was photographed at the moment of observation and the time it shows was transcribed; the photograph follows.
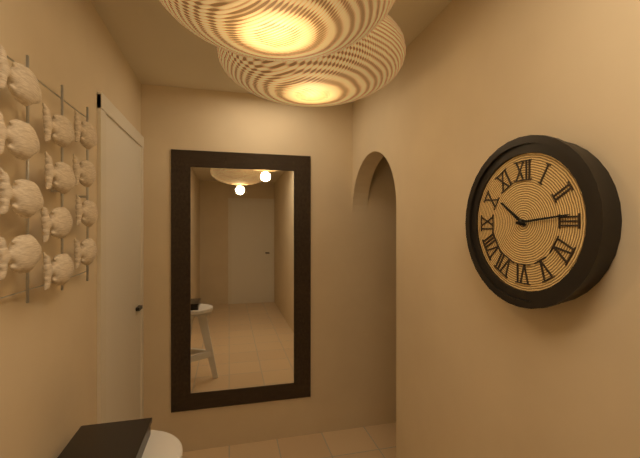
10:14
